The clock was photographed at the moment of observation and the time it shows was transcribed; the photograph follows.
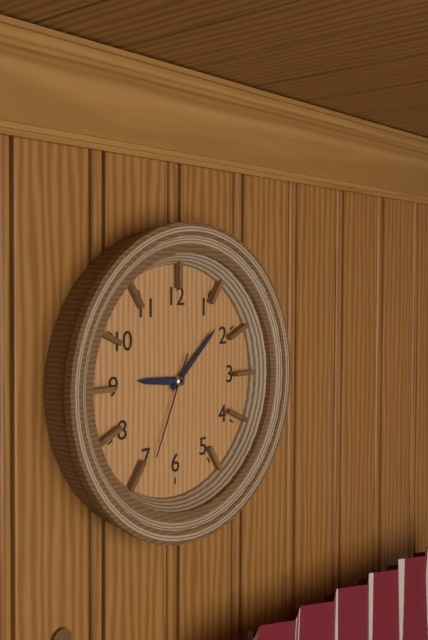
9:08:34
